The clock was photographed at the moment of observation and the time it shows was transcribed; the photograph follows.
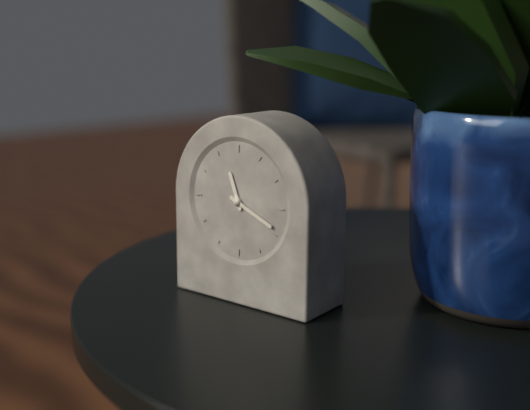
11:19
